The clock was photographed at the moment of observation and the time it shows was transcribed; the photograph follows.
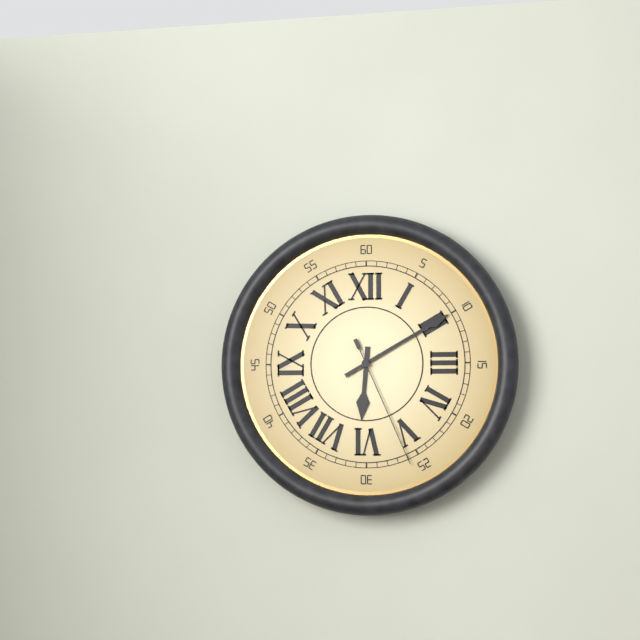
6:10:26
